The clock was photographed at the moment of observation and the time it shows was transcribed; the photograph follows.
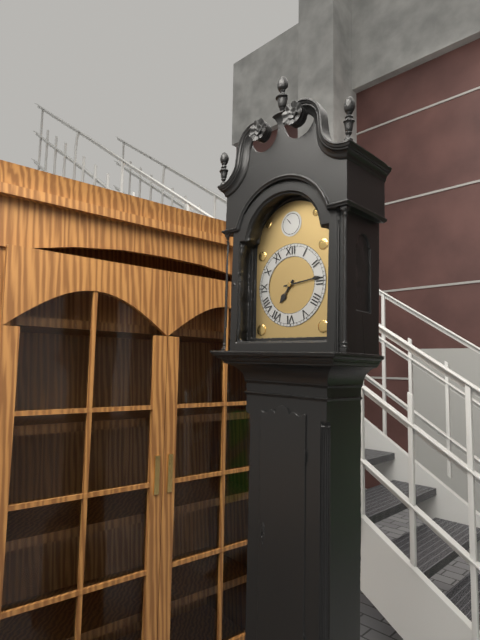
7:14
